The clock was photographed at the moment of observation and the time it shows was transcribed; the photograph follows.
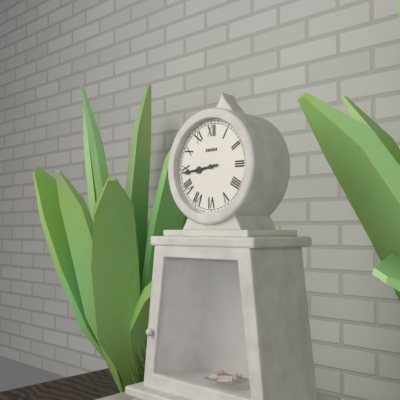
8:44
